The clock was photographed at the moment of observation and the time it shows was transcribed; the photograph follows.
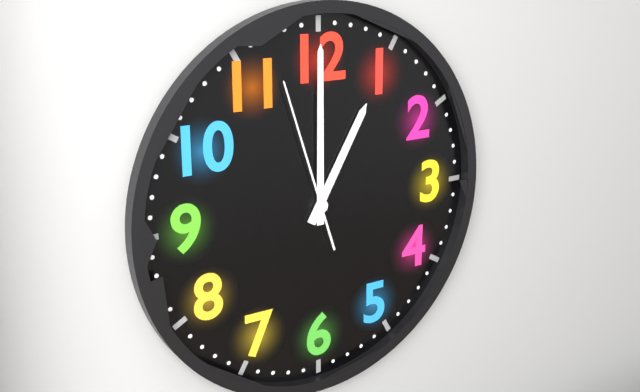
1:00:57
